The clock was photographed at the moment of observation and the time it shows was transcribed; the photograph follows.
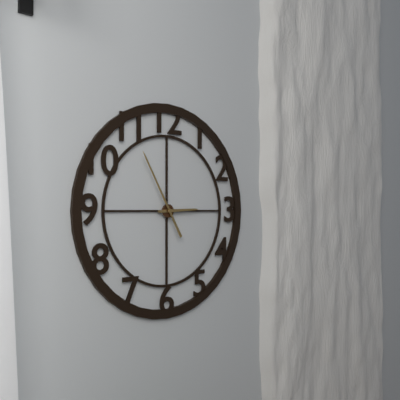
2:55
